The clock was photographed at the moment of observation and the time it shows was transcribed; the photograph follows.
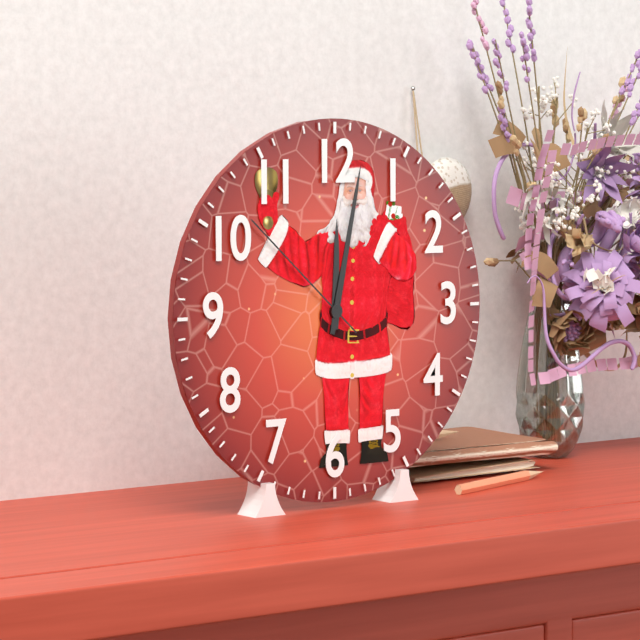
12:02:52
